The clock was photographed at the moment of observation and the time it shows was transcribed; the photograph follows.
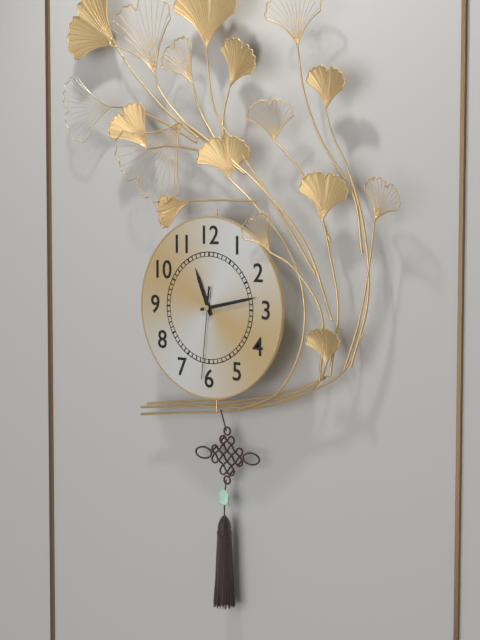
11:13:31
